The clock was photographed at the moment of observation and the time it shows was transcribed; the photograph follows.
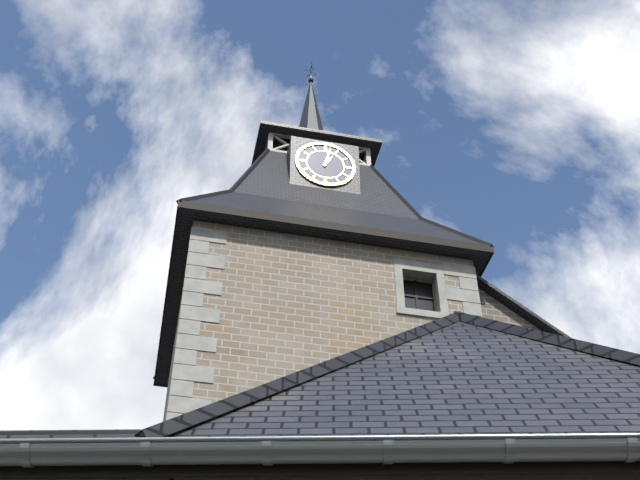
1:02
